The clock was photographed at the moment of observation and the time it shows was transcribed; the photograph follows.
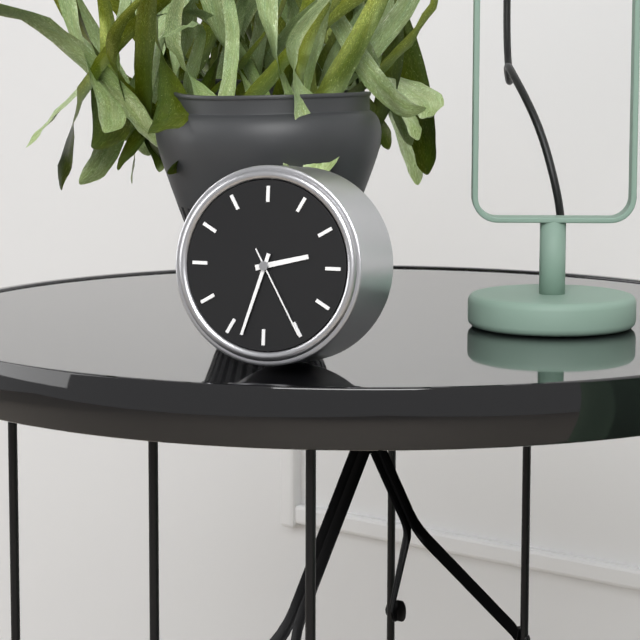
2:33:25
